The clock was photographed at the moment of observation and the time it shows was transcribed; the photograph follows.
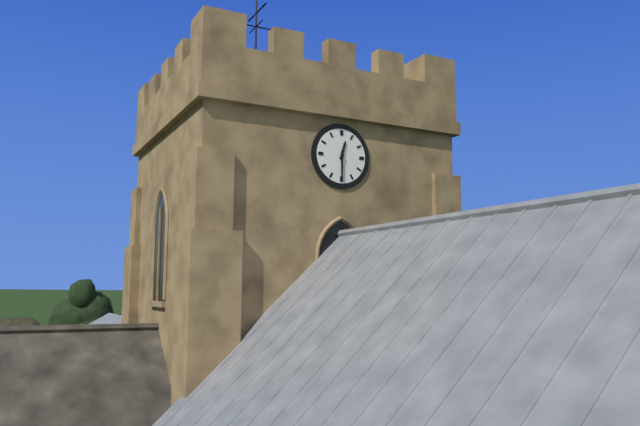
12:30
